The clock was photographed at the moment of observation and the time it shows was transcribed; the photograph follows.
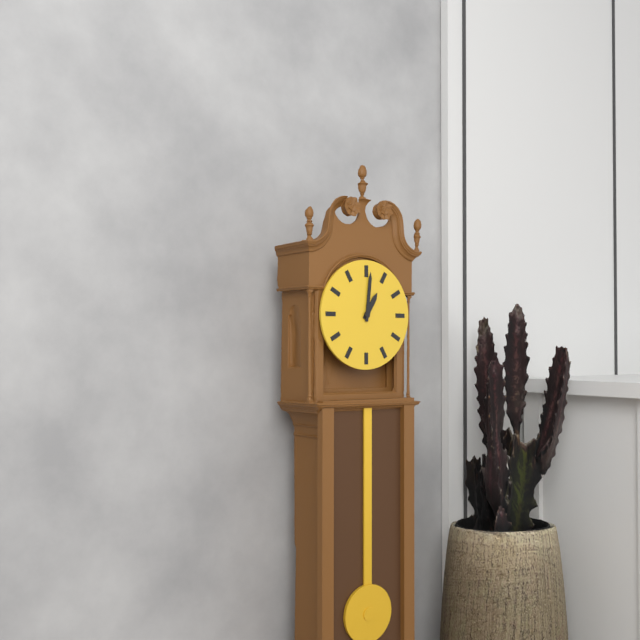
1:01
